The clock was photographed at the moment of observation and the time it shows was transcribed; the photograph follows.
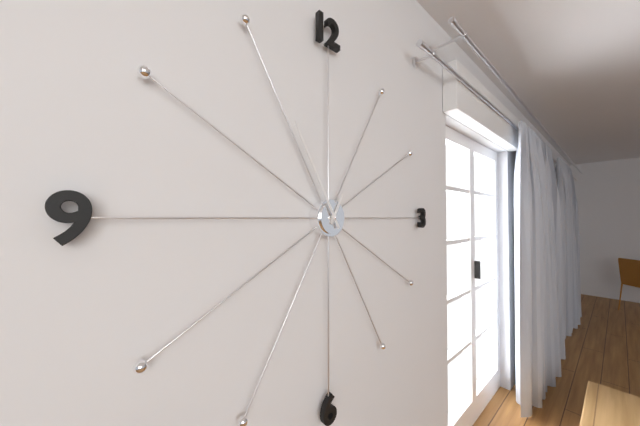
12:55
